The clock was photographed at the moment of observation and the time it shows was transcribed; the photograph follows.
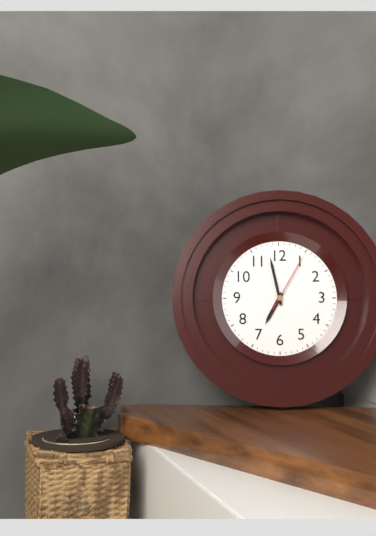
6:58:05
